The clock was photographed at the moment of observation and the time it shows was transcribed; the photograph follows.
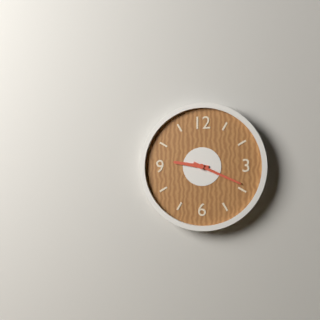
9:19
